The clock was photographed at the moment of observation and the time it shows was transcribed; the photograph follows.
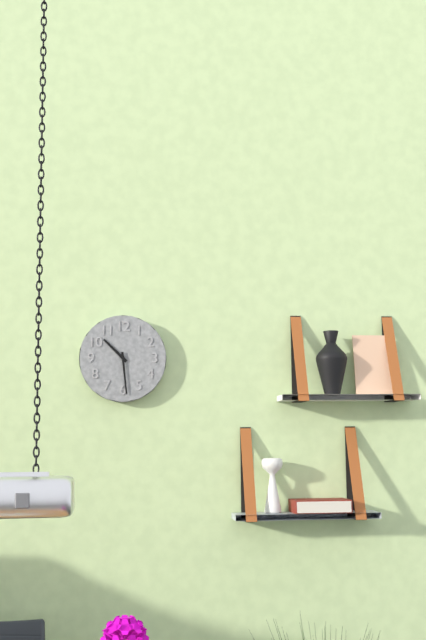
10:29
